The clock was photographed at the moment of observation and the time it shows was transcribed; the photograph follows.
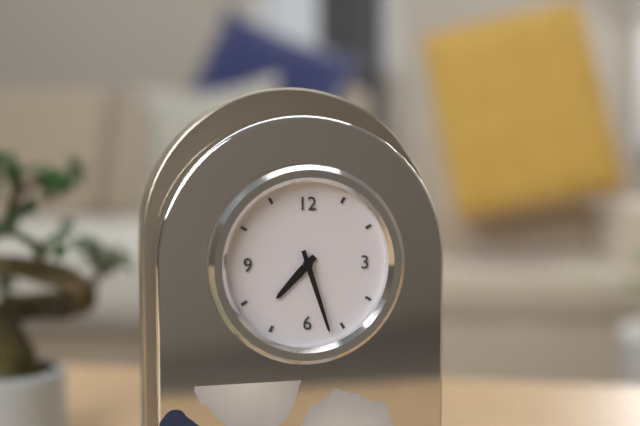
7:27
